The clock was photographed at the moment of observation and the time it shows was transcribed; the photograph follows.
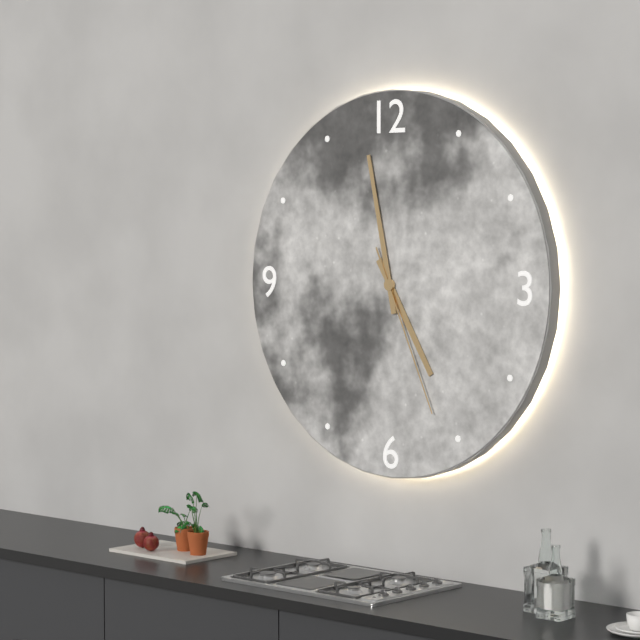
4:58:26
